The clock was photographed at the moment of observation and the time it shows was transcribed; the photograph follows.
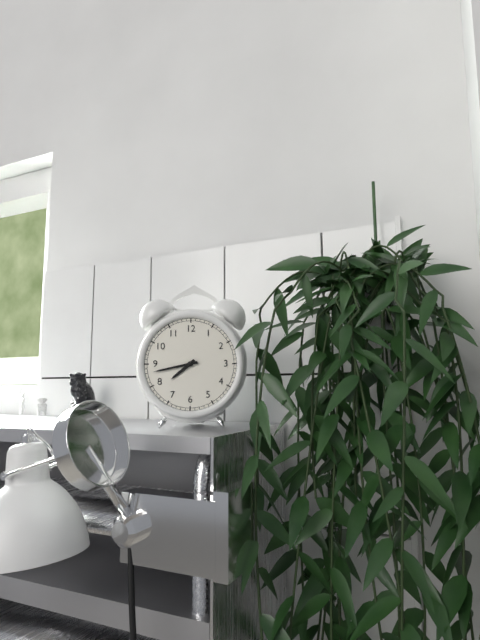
7:43
